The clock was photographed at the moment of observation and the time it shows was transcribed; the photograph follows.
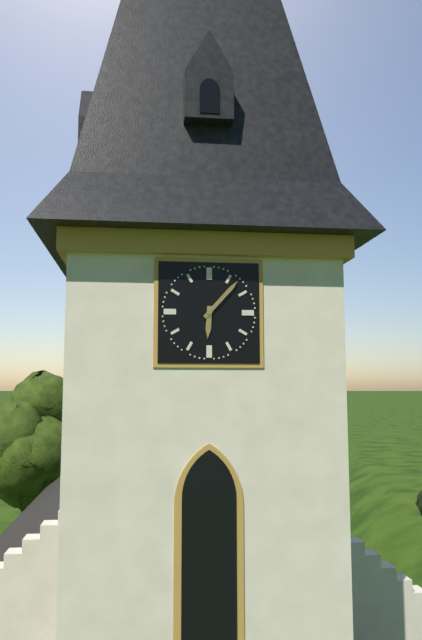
6:07
